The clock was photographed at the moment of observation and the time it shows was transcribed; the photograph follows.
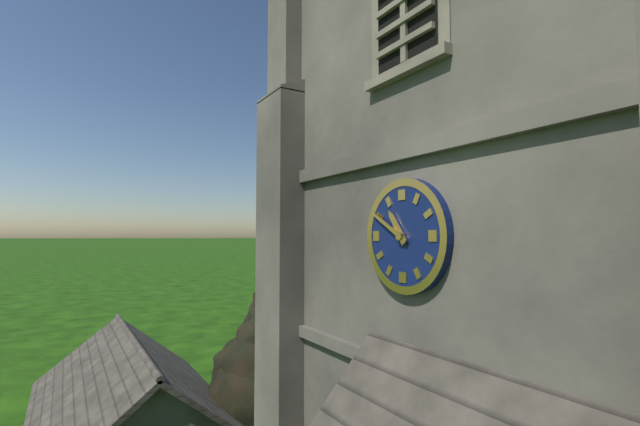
10:50
